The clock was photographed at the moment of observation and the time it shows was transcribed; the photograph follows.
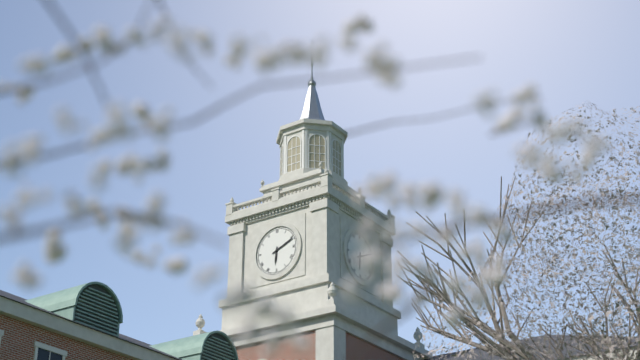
6:11
